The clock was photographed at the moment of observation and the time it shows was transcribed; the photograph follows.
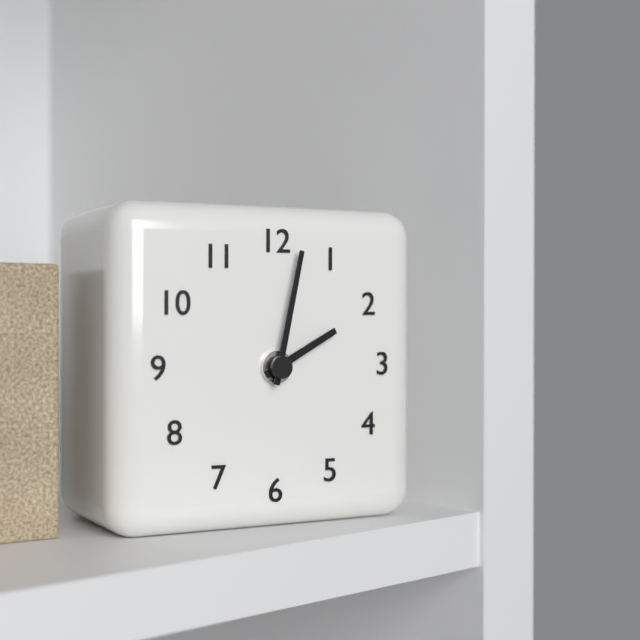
2:02
